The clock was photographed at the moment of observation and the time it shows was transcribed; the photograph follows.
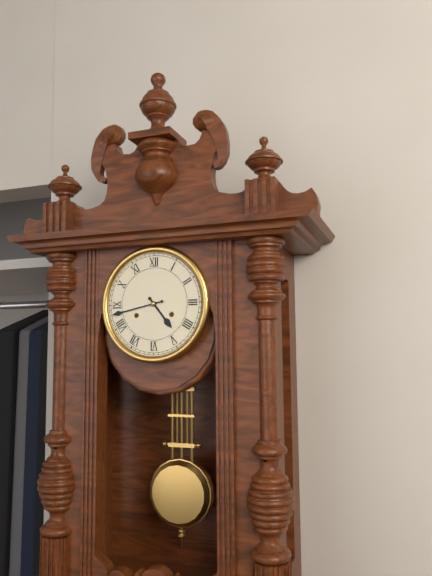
4:43
